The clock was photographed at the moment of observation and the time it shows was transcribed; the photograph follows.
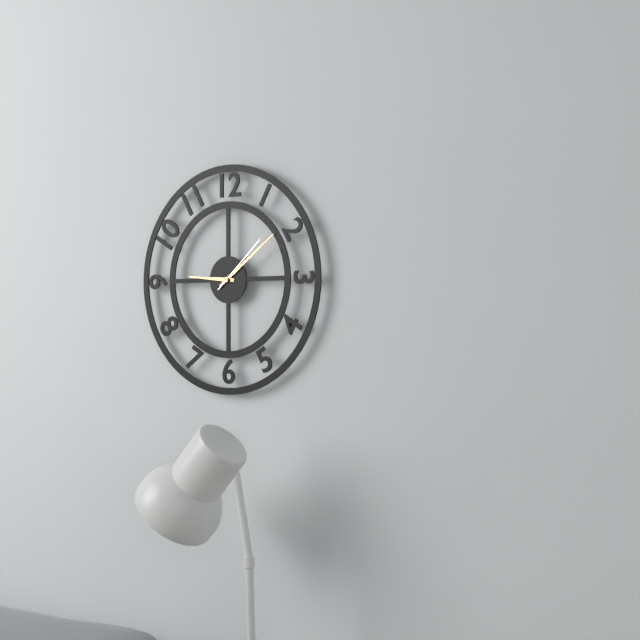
9:09:08
